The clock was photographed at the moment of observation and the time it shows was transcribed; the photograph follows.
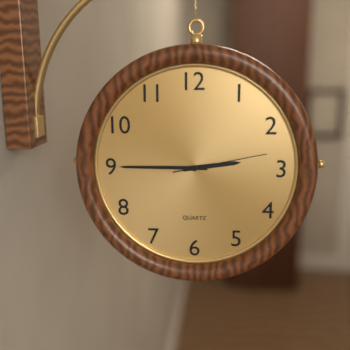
2:45:13
